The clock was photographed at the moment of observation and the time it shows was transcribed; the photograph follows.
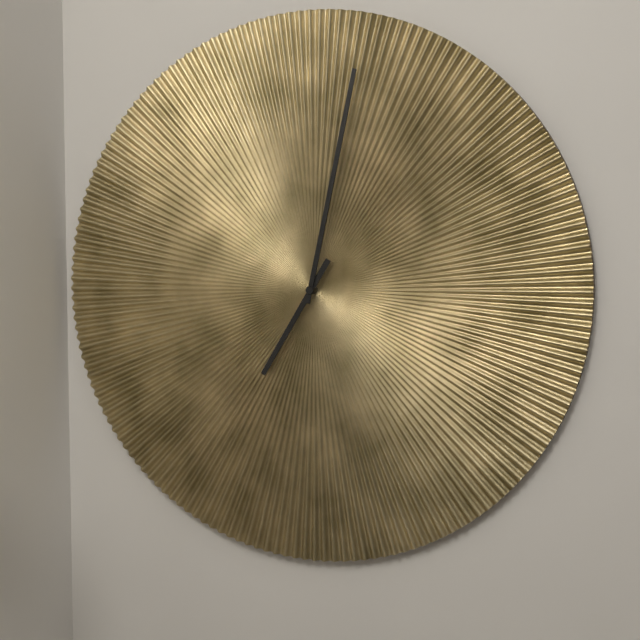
7:02
